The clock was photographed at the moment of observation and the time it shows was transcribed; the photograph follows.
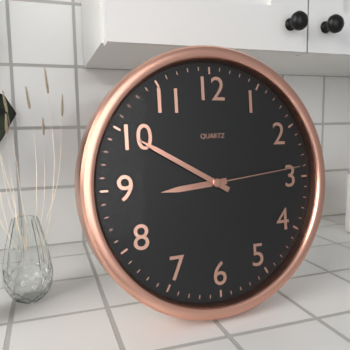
8:50:14
